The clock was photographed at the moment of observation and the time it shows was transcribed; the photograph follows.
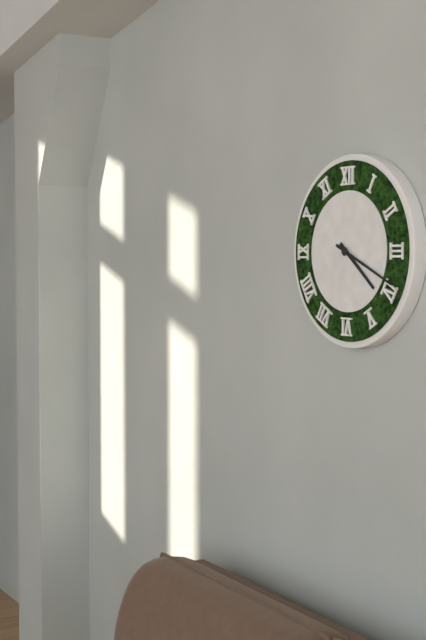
4:19
